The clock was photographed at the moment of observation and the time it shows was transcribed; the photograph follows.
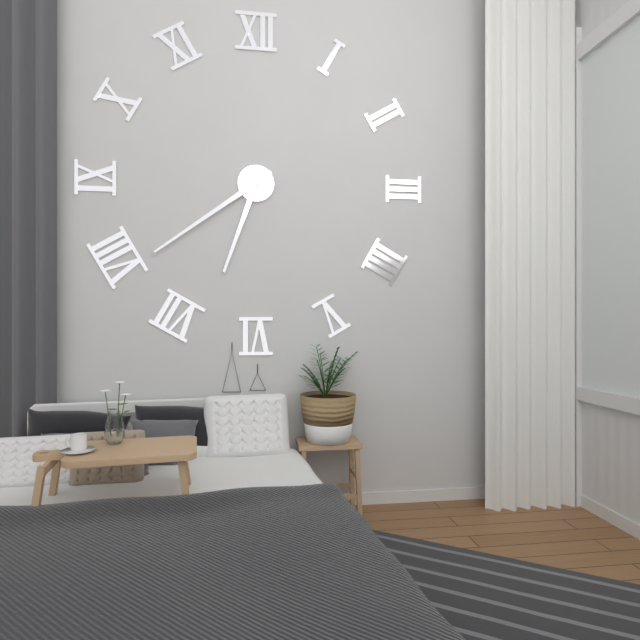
6:39
